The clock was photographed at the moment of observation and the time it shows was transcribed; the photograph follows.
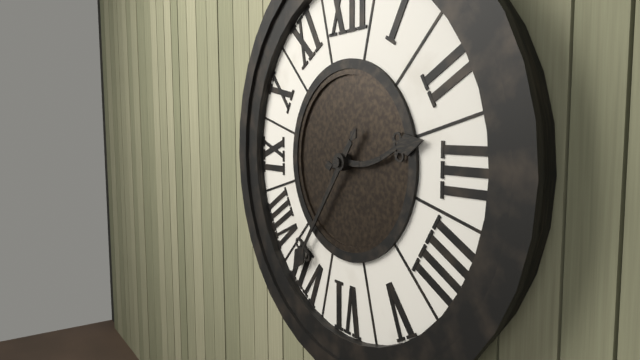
2:36
